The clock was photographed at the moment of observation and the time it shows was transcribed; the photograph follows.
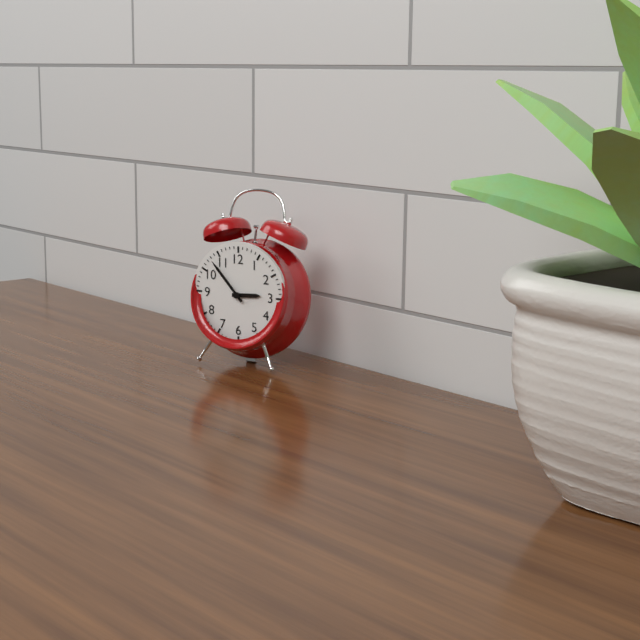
2:53
